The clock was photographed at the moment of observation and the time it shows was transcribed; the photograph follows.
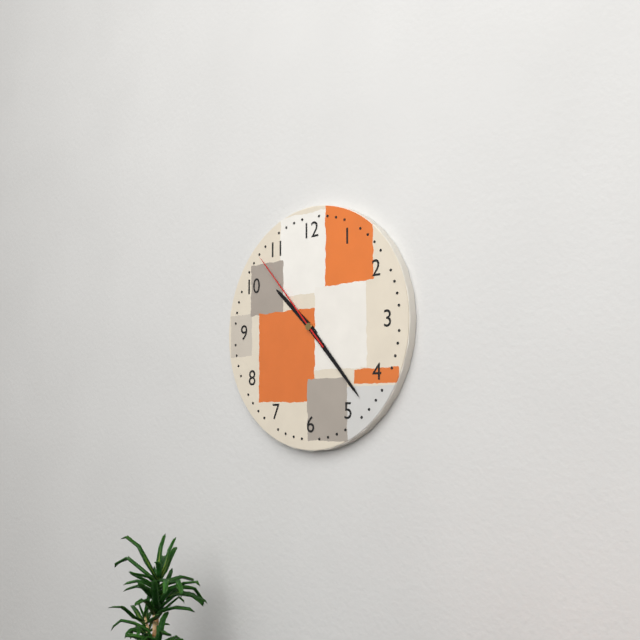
10:23:53
